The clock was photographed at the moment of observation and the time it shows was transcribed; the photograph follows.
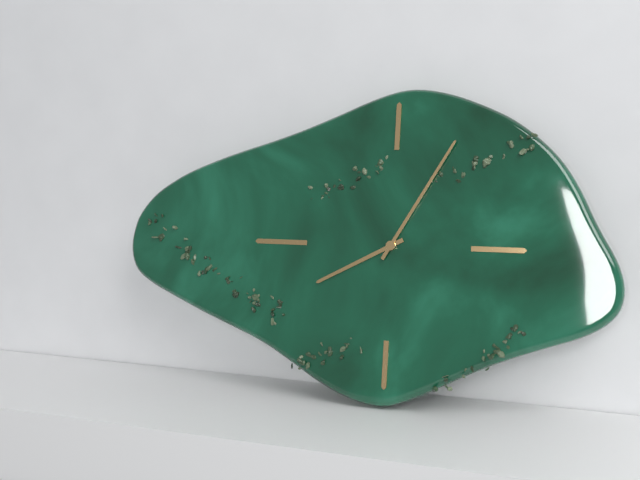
8:05
